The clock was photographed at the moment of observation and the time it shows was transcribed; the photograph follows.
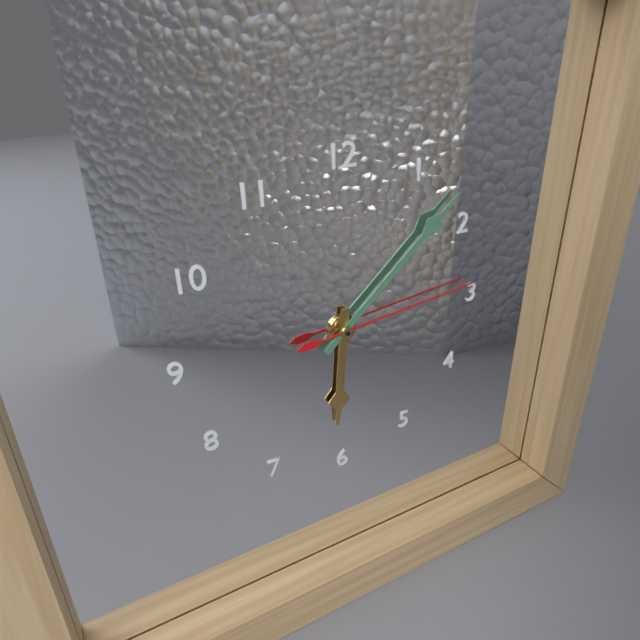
6:08:14
